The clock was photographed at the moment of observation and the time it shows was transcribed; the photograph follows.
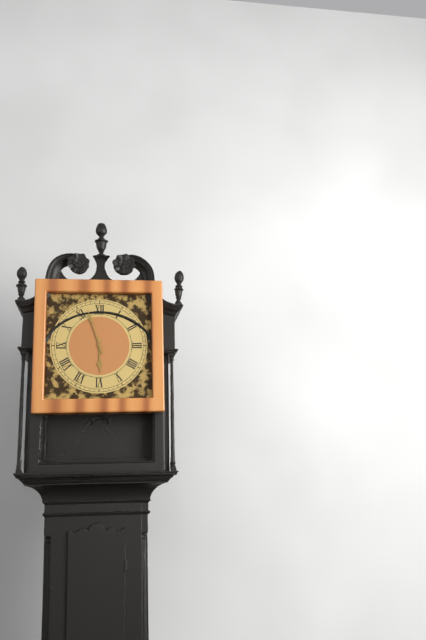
5:57
